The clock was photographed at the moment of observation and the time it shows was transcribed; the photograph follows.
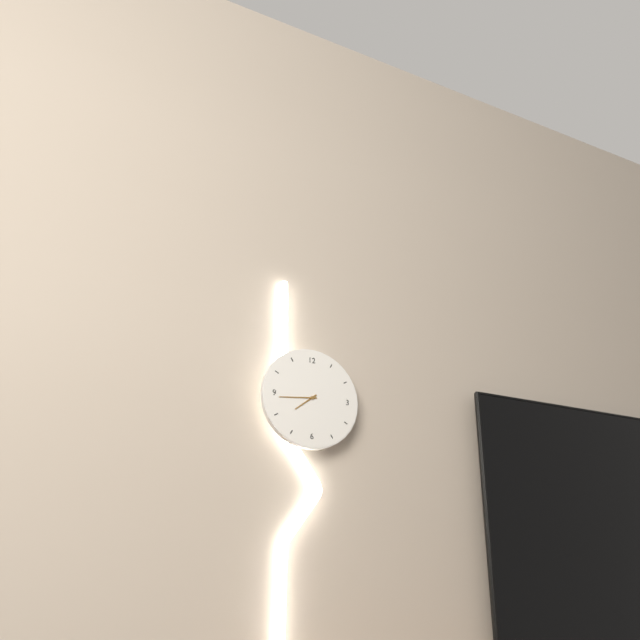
7:44
